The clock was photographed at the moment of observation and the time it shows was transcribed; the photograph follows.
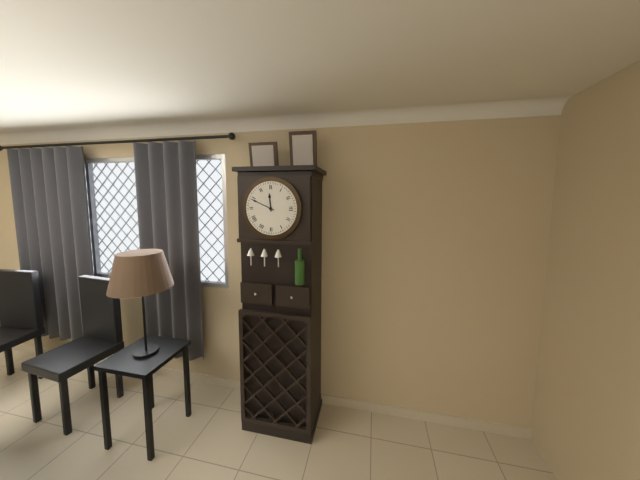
11:49
